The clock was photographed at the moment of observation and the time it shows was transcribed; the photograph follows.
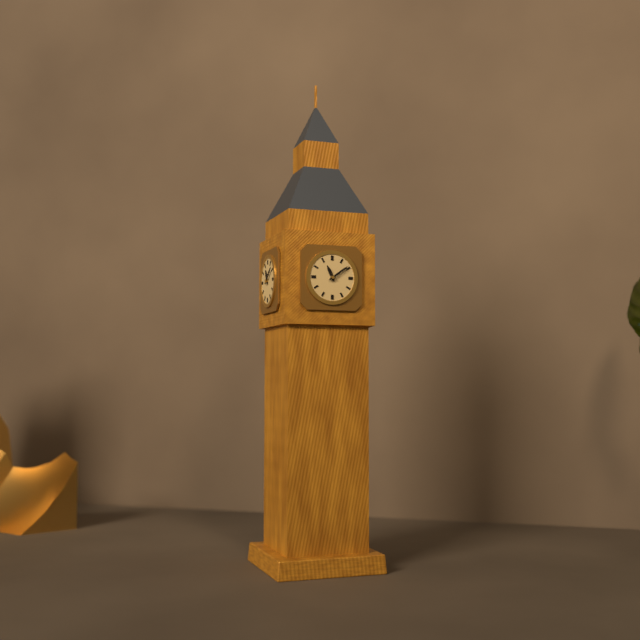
11:09
